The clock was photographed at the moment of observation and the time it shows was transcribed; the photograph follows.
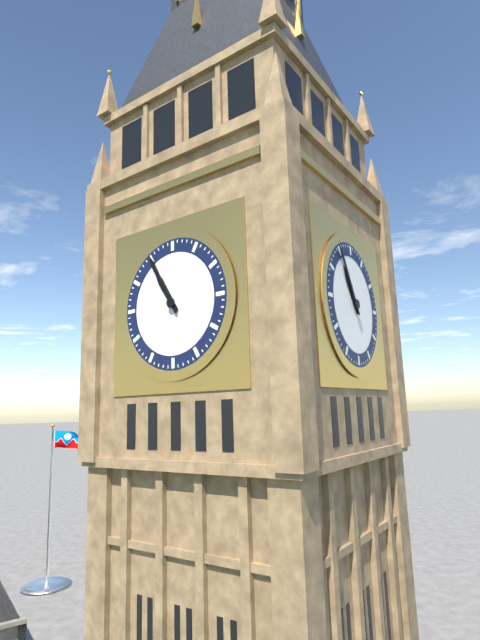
10:55
